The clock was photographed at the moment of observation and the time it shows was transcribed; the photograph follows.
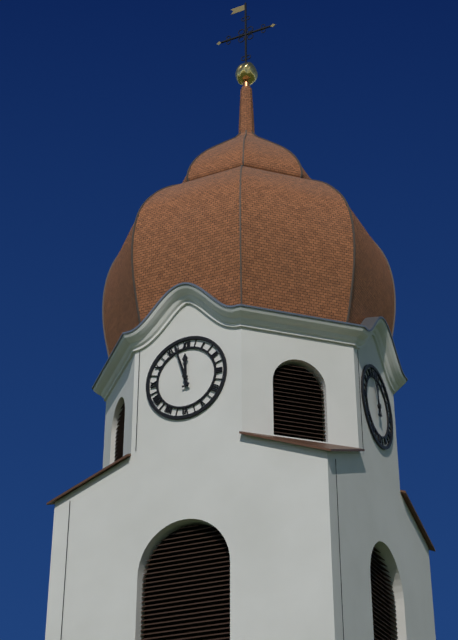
11:57
